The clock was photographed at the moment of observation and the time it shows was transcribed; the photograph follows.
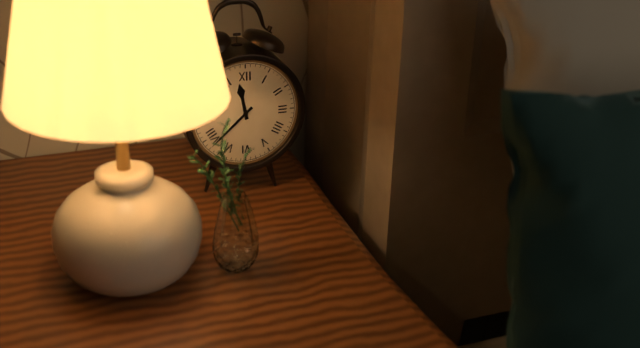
11:38
